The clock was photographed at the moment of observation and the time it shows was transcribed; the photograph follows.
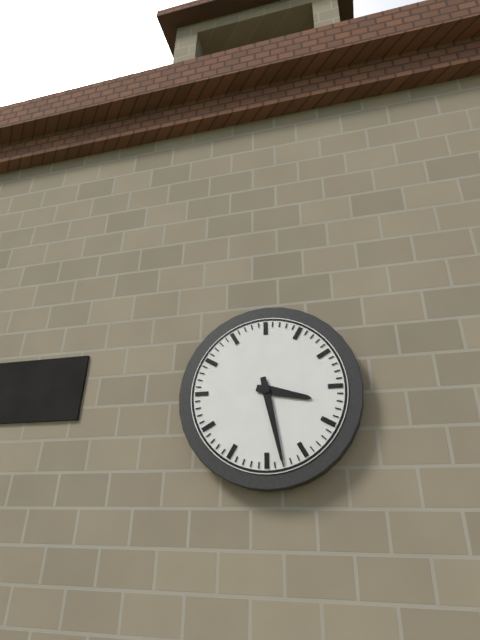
3:28
